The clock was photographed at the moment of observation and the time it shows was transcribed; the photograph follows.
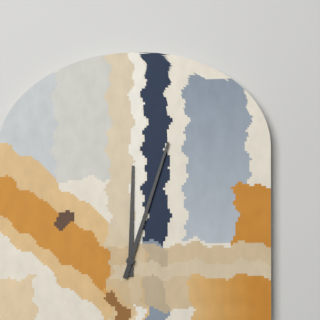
12:03
